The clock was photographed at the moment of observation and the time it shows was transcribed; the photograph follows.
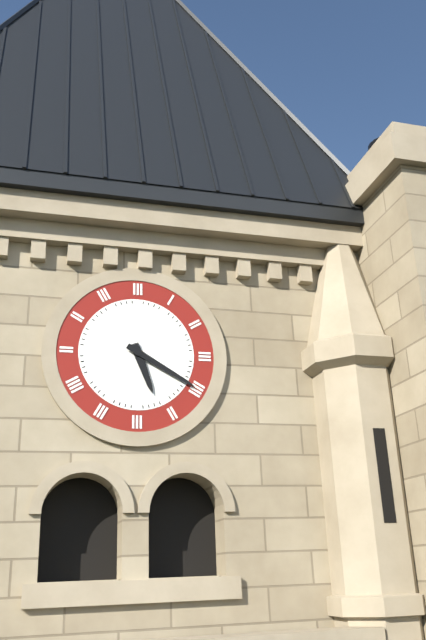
5:20
